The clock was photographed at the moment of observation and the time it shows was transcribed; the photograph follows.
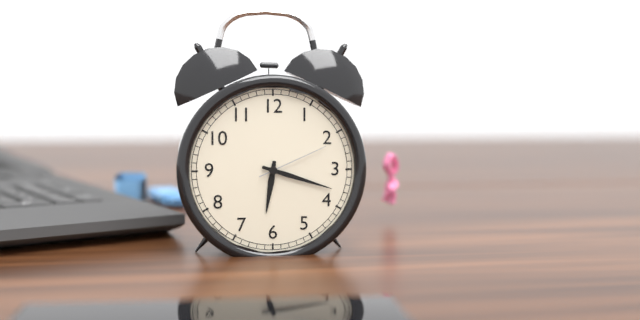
6:18:11
